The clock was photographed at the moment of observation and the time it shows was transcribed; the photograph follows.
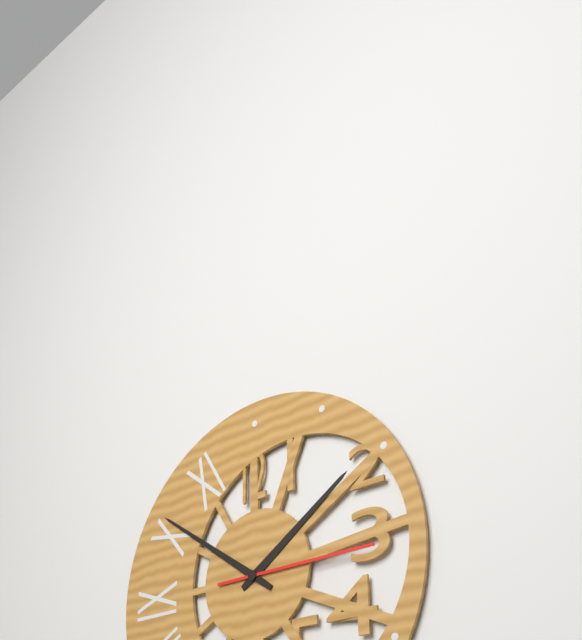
1:51:15
